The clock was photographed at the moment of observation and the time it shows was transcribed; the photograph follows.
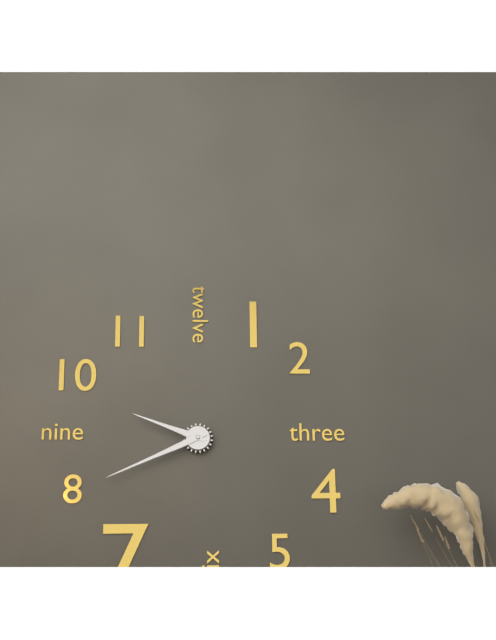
9:41
